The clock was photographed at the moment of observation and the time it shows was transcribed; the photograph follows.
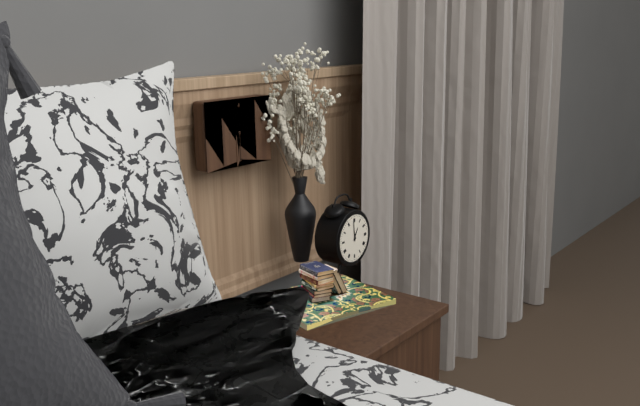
12:59
